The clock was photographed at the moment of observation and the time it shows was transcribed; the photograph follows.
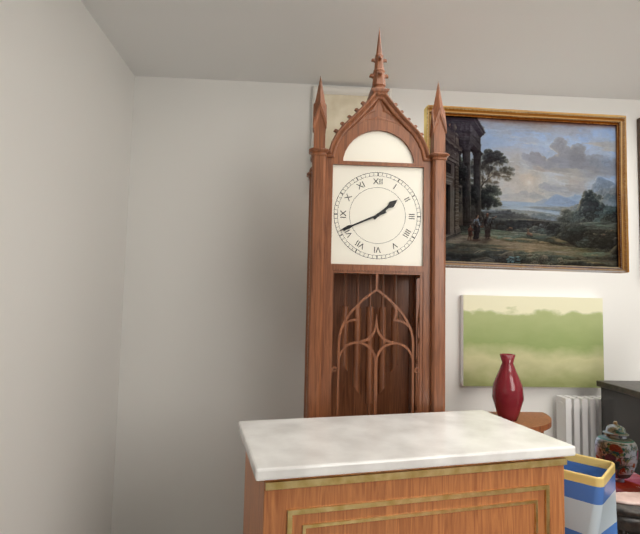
1:41
